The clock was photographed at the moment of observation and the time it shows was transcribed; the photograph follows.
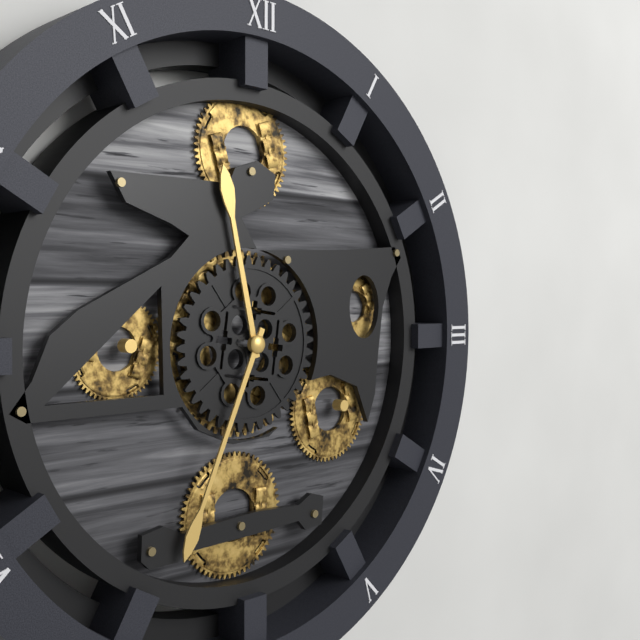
11:34
